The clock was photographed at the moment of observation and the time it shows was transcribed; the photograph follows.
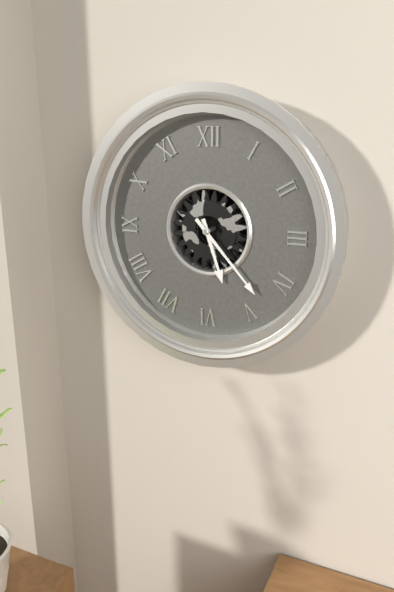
5:23
